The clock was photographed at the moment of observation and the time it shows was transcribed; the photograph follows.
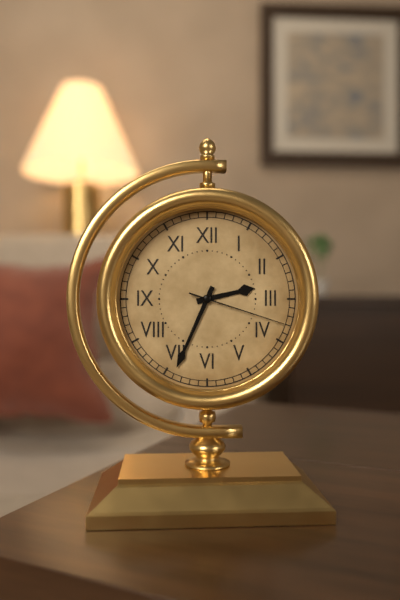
2:34:18
